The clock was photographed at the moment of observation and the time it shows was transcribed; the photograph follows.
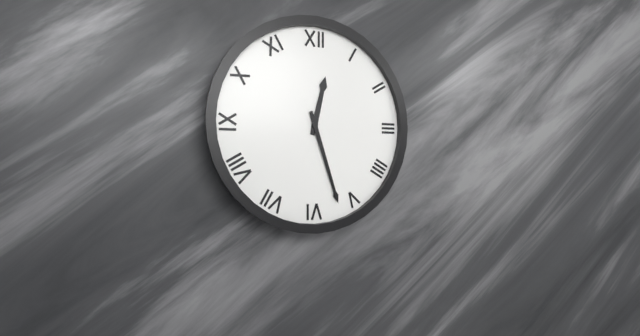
12:27
